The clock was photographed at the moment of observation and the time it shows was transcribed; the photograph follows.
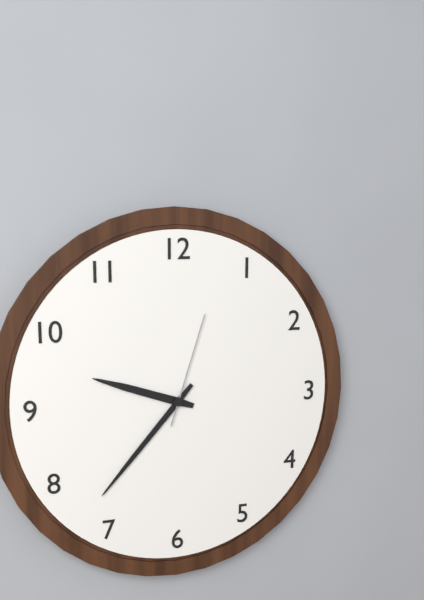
9:37:03
